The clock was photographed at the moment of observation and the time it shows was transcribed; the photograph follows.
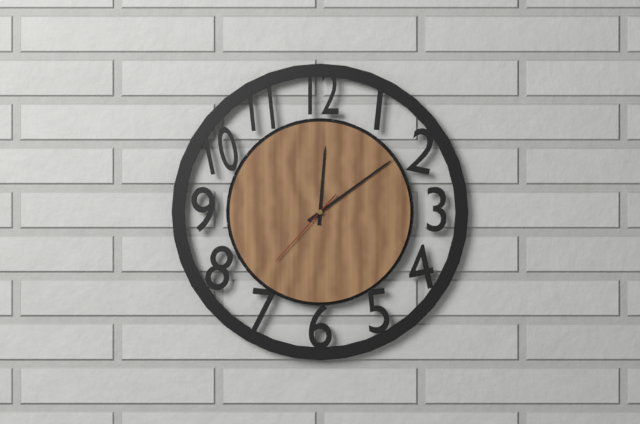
12:09:37
